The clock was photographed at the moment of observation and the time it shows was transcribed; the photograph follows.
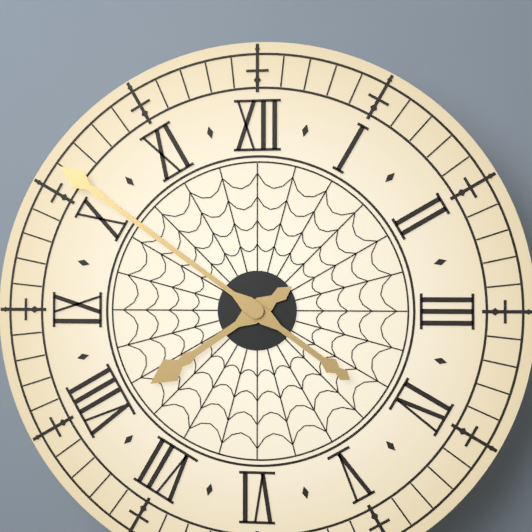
7:51
